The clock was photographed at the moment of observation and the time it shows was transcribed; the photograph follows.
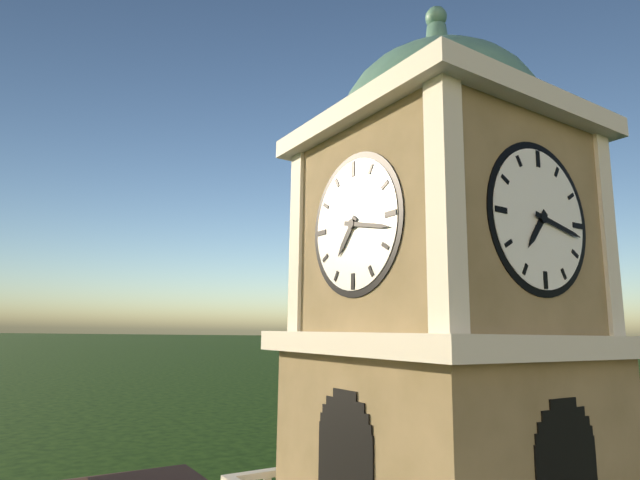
7:17
